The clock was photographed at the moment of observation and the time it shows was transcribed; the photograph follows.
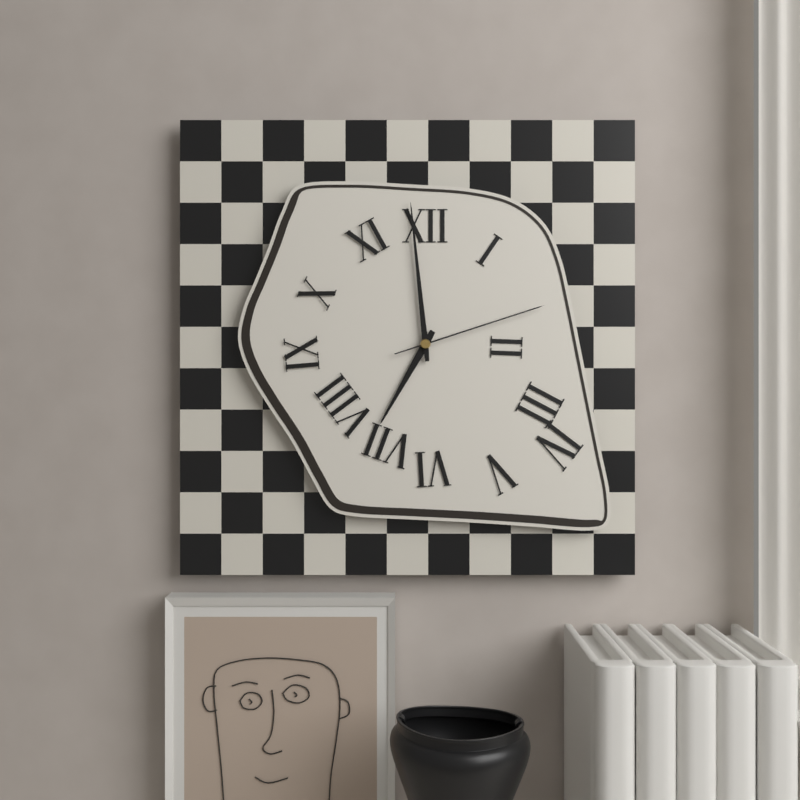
6:59:12
